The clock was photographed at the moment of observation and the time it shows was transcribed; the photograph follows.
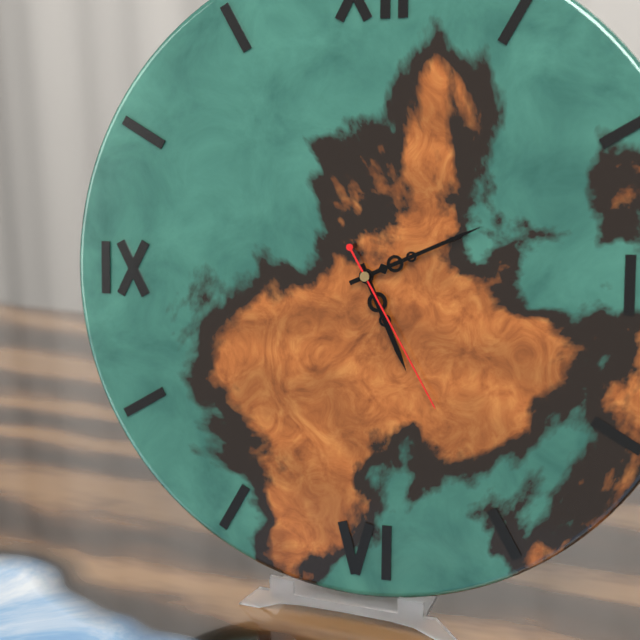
5:11:25
